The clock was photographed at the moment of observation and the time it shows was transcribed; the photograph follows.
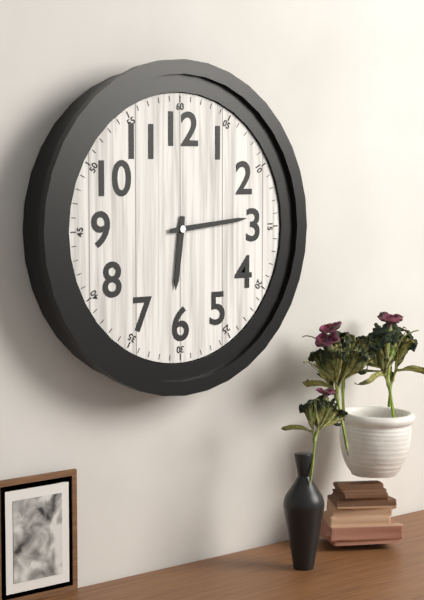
6:14
